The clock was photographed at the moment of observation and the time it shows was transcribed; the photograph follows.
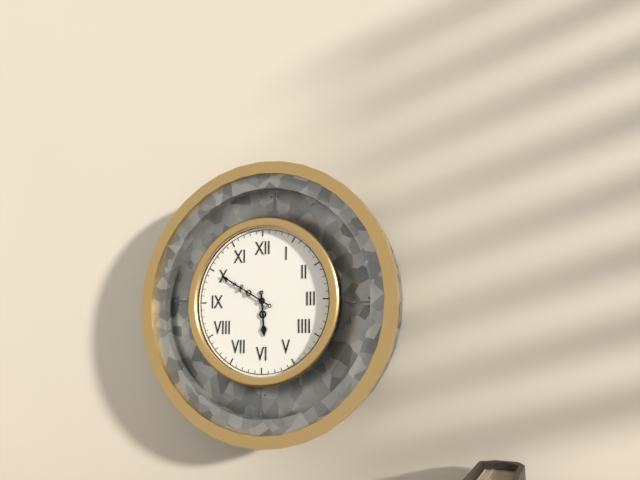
5:50
